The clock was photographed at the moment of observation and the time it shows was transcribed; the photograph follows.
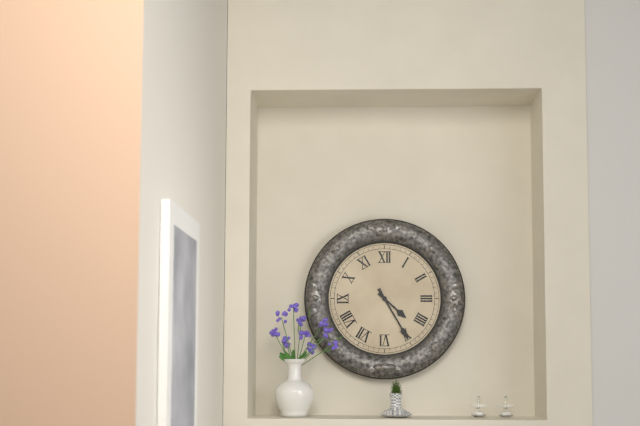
4:25
